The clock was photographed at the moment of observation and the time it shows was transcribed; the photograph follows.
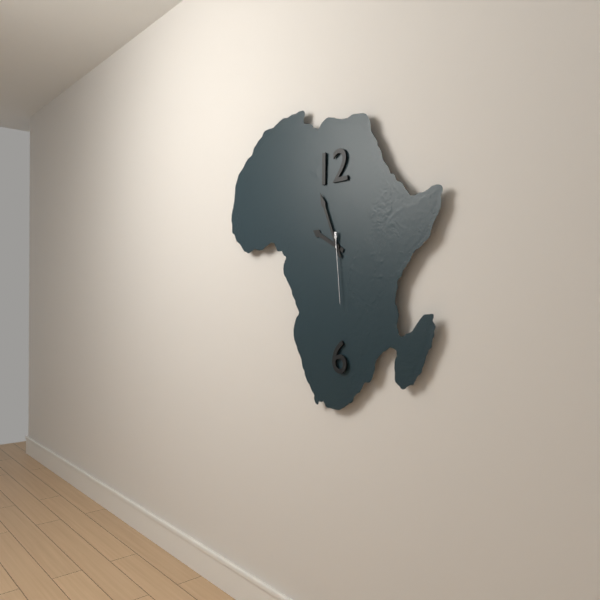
9:56:29
